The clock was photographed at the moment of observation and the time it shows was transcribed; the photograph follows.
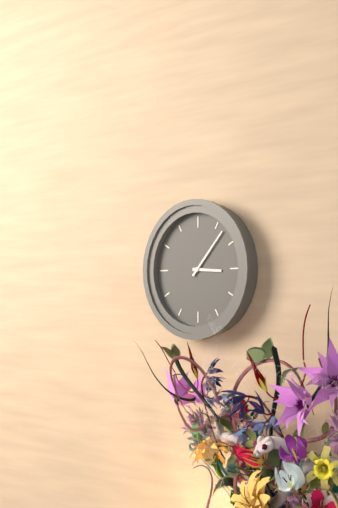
3:07
